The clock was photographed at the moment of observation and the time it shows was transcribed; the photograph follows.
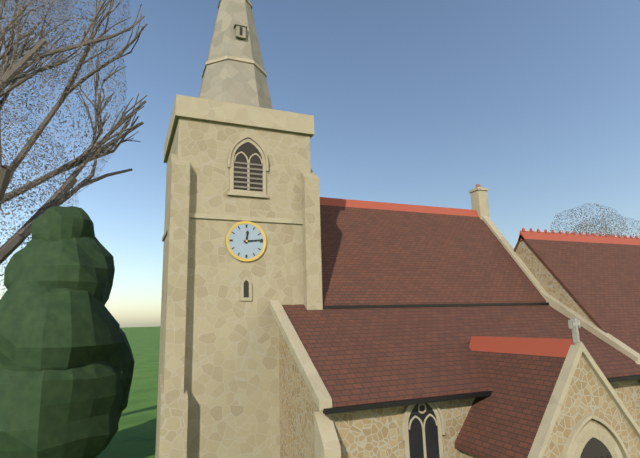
12:14
